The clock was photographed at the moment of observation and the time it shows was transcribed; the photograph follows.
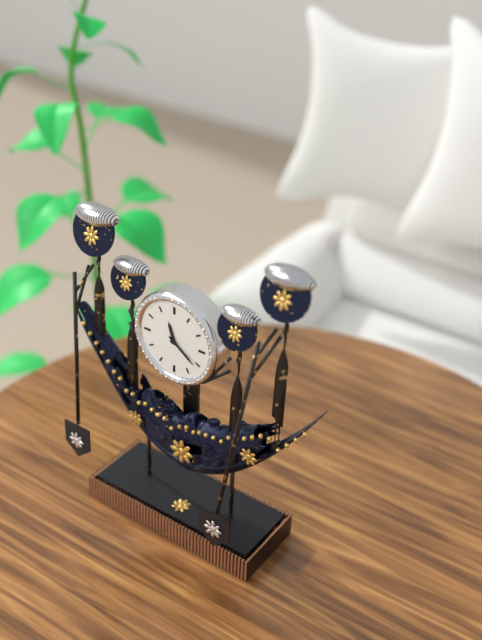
11:21
